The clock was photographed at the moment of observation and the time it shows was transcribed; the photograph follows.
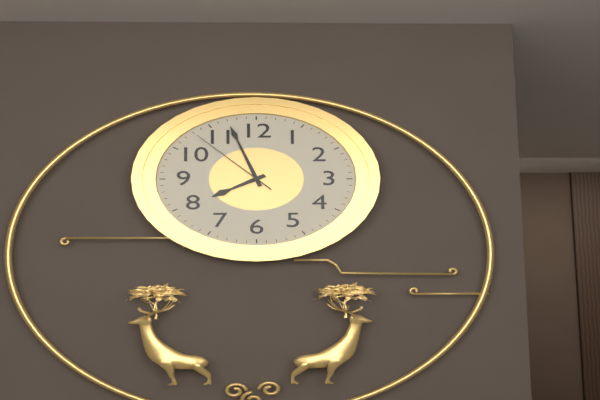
7:57:53
